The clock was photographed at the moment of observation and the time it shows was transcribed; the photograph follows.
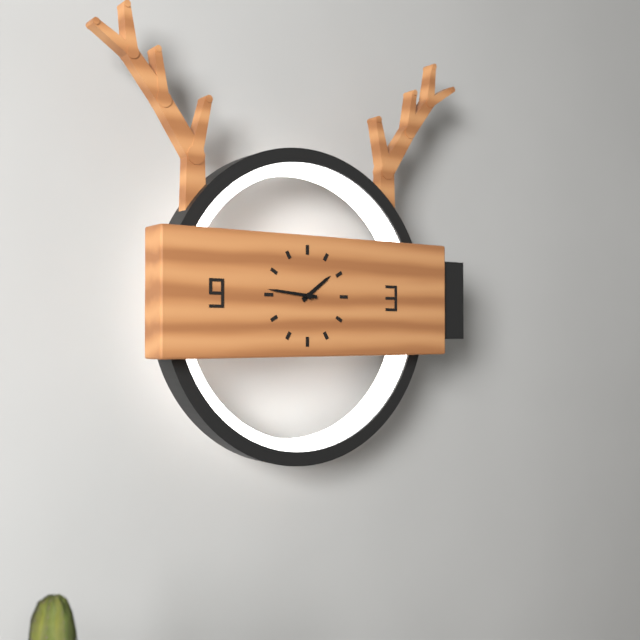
1:46
